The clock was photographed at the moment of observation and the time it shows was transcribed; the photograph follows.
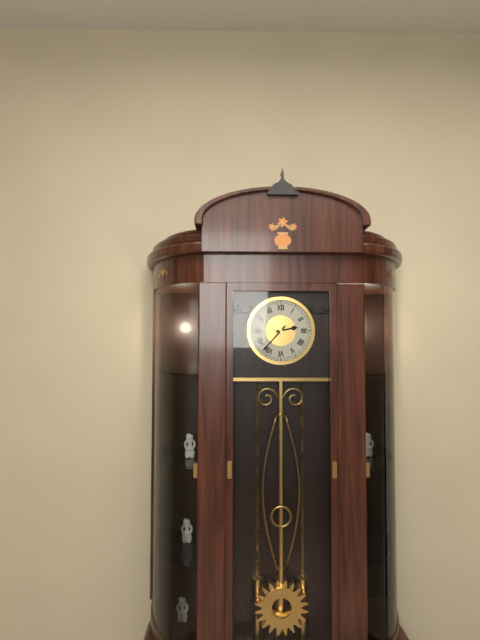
2:37
